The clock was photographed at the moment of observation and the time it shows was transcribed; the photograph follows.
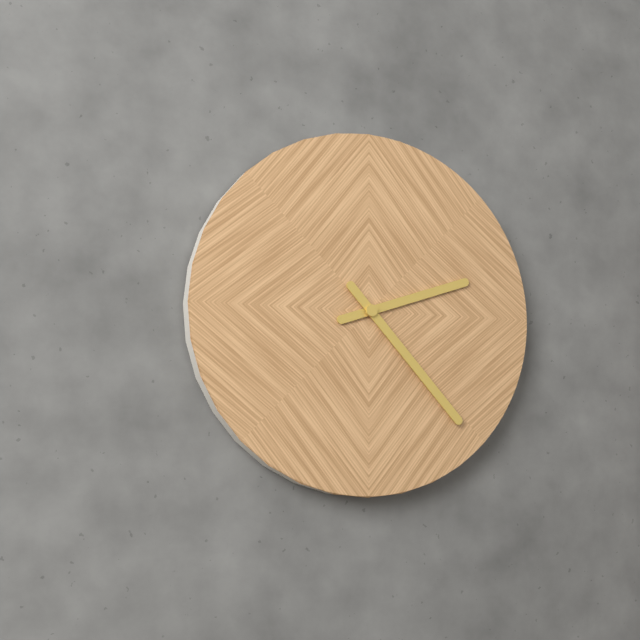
2:23
